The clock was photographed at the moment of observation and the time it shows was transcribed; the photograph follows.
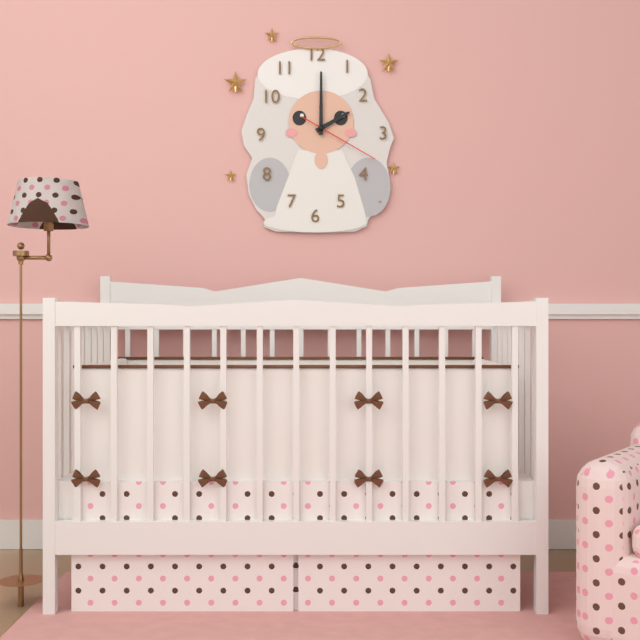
2:00:20
